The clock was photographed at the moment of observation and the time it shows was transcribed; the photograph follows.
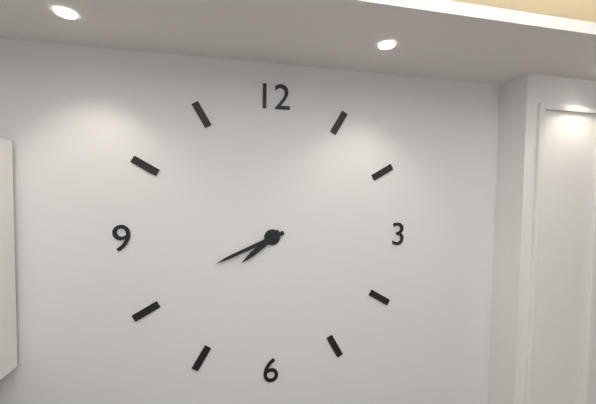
7:41
